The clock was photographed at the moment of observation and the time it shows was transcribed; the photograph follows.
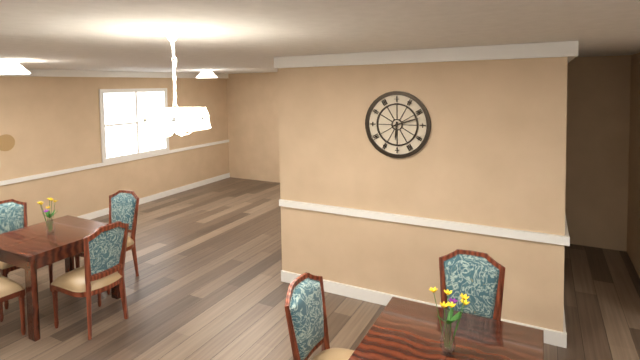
6:12
